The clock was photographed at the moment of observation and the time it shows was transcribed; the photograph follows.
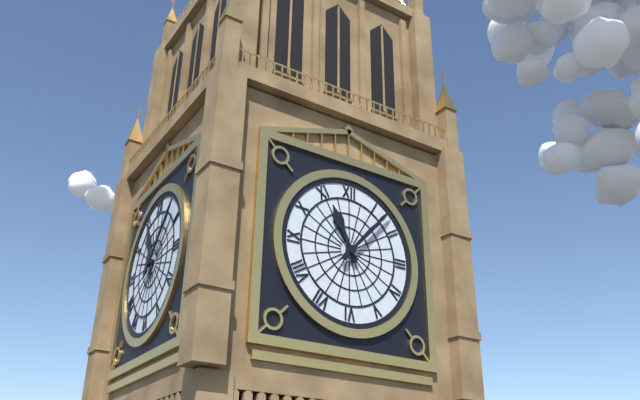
11:07
